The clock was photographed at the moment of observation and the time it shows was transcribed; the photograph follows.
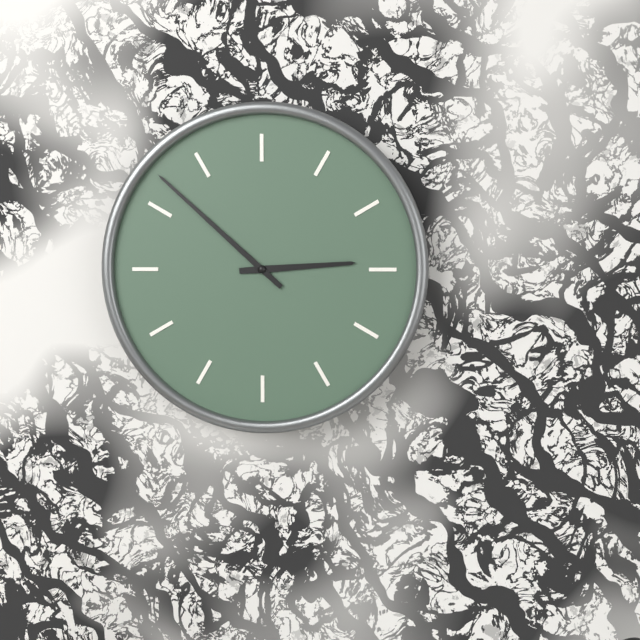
2:52
